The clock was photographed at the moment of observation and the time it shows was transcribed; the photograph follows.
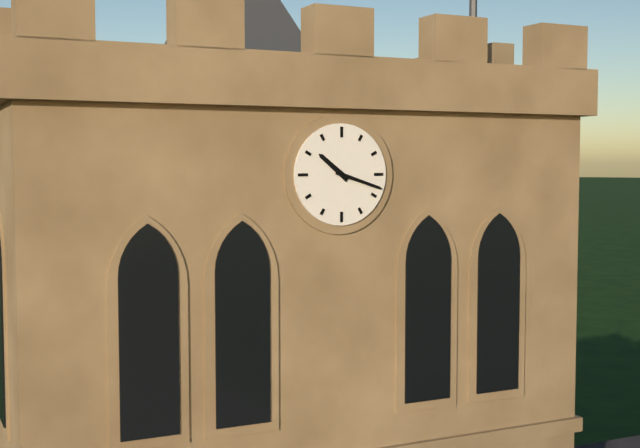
10:18
